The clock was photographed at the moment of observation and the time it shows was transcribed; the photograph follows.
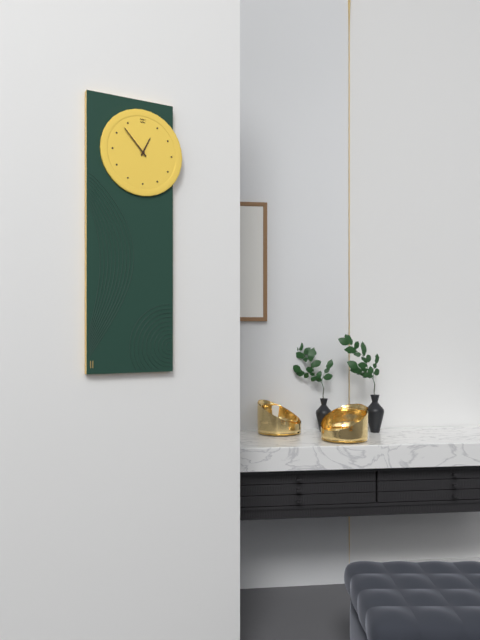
12:53
